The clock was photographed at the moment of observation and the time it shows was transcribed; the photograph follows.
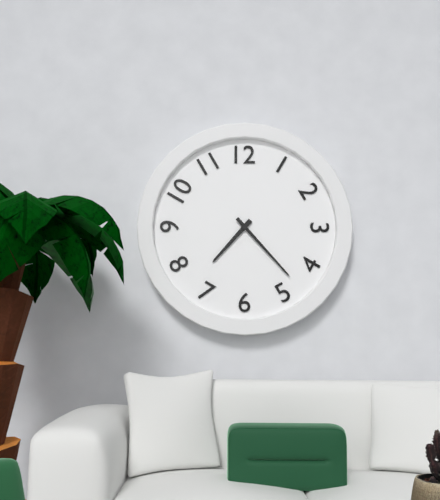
7:23
